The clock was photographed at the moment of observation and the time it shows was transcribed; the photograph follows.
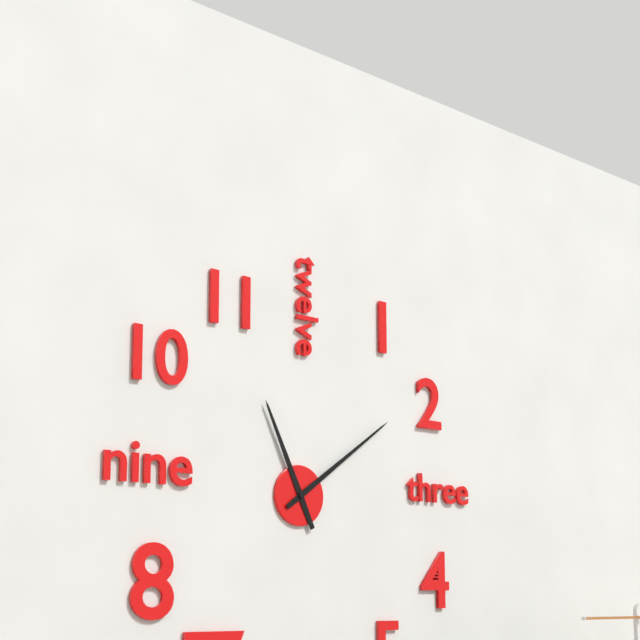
11:09
